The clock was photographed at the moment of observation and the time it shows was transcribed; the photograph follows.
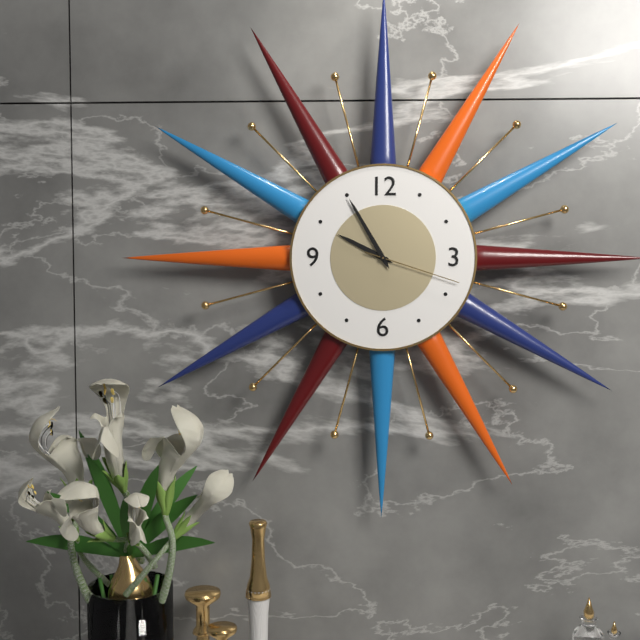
9:55:18
